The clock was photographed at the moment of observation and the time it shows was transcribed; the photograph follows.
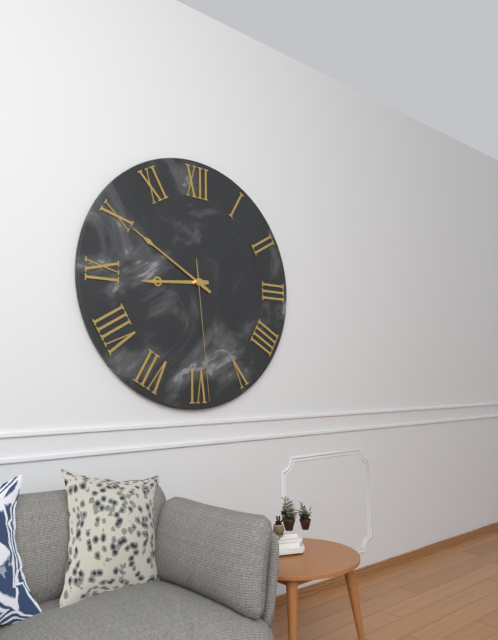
8:50:29
